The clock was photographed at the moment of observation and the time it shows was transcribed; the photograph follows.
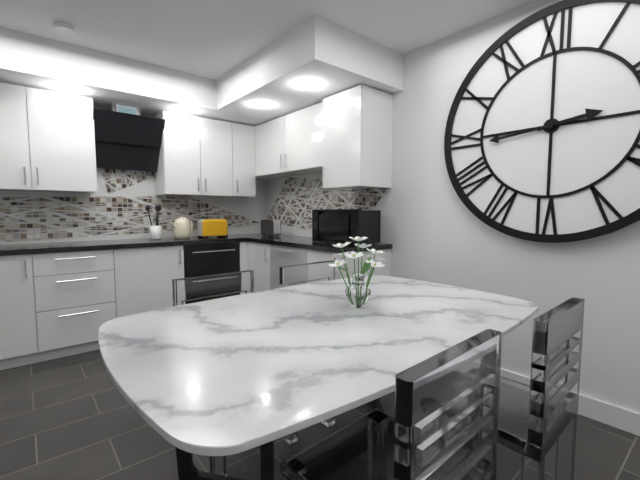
2:44
